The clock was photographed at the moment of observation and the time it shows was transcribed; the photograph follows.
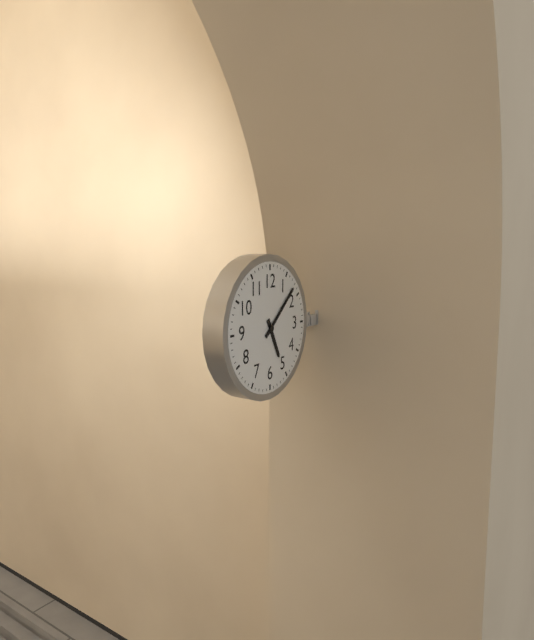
5:08
